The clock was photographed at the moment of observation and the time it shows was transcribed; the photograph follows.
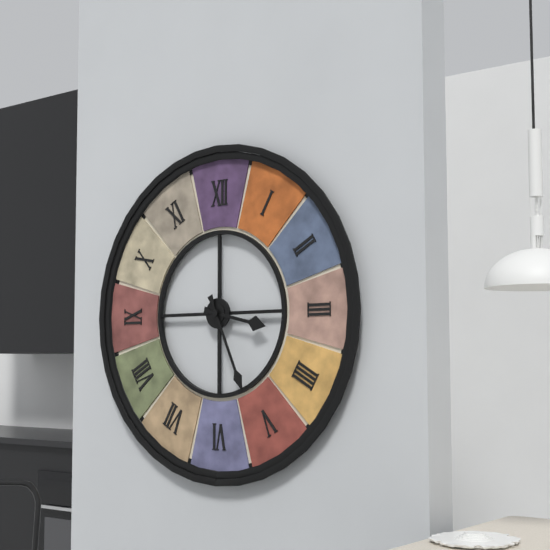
3:26
